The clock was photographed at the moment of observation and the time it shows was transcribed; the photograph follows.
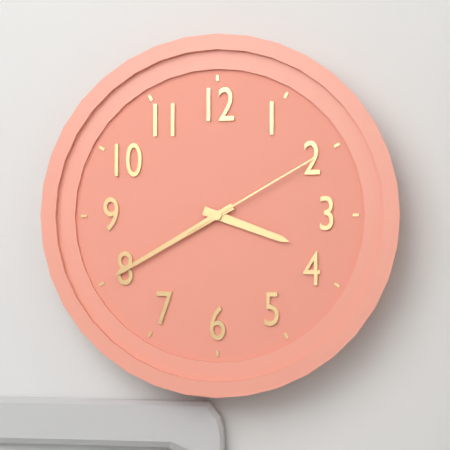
3:40:10
